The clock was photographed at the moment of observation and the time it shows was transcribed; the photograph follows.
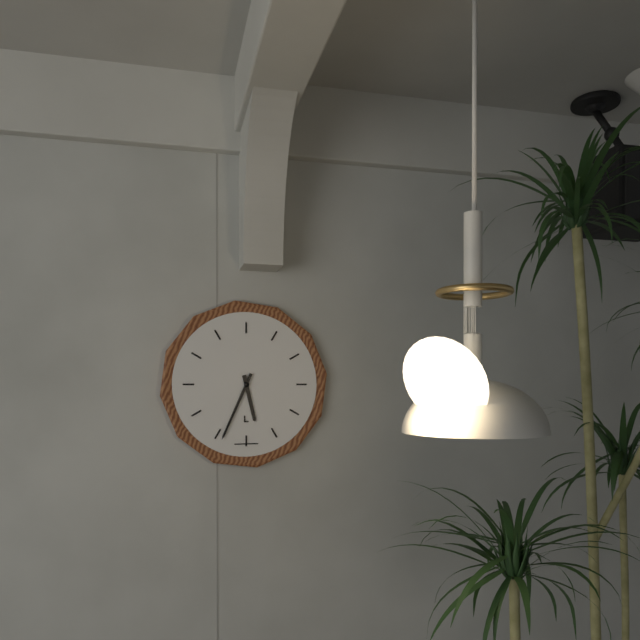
5:34
